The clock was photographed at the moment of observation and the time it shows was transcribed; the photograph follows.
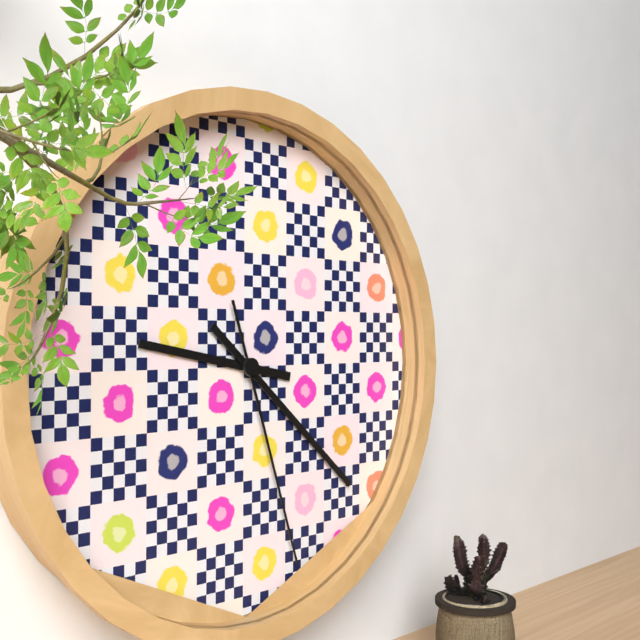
9:22:27
